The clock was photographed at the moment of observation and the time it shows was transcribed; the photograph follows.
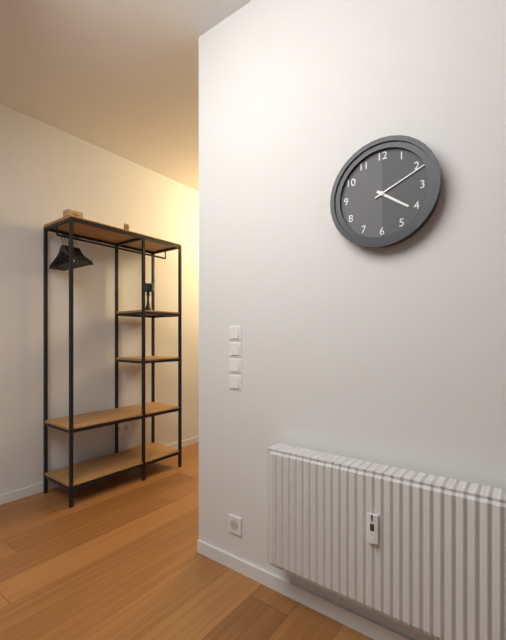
4:11
